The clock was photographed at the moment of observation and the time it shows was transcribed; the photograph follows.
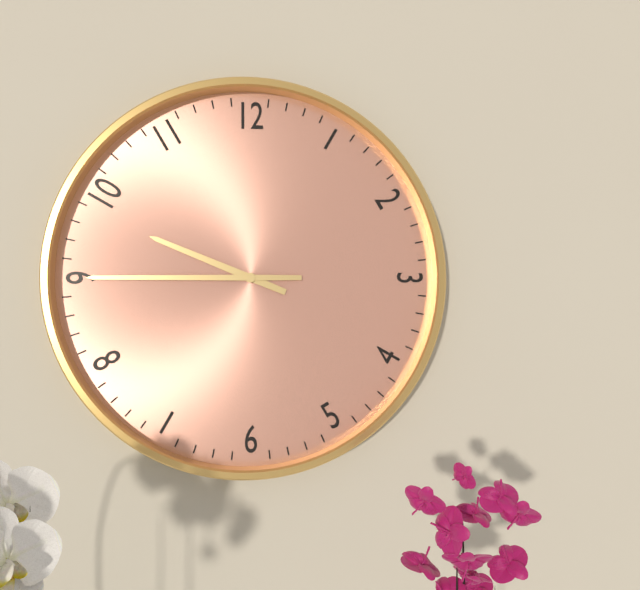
9:45
